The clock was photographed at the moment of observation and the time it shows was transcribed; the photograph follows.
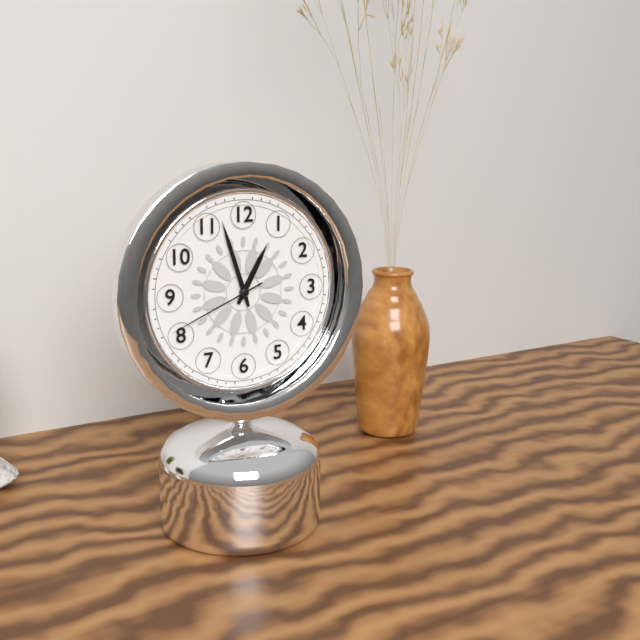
12:57:41
